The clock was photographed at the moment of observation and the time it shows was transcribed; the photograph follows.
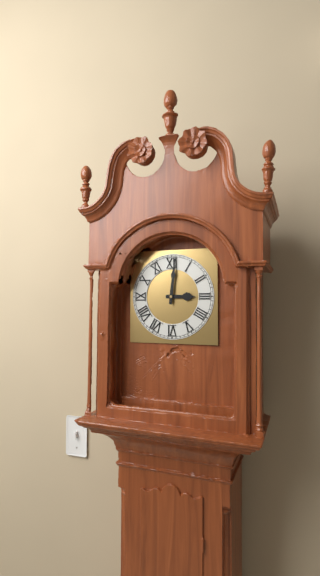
3:01
